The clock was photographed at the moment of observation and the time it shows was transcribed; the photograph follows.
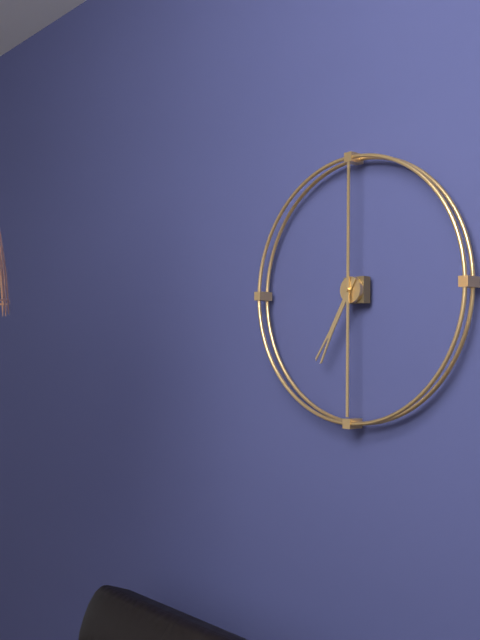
7:00
